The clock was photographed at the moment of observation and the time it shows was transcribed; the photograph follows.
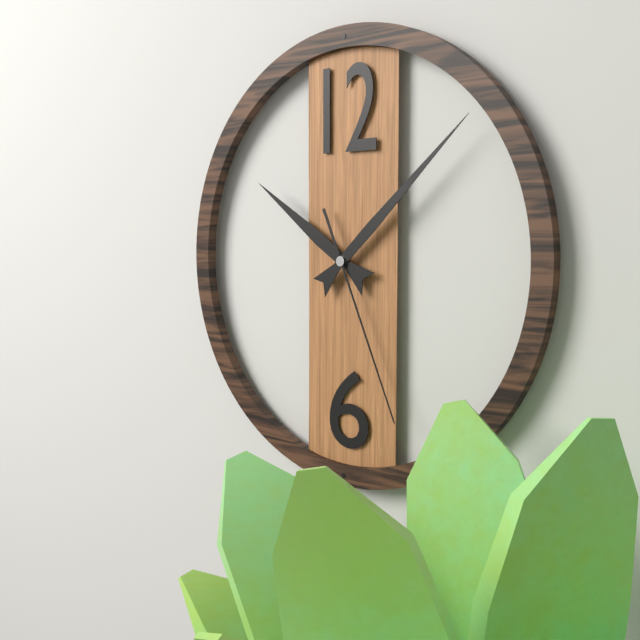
10:08:26
